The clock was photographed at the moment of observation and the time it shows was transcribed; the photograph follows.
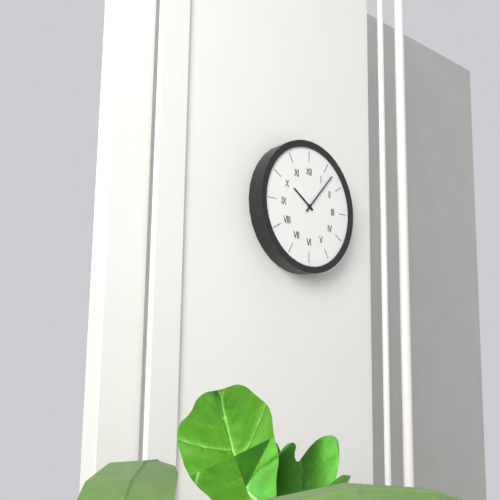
10:07
